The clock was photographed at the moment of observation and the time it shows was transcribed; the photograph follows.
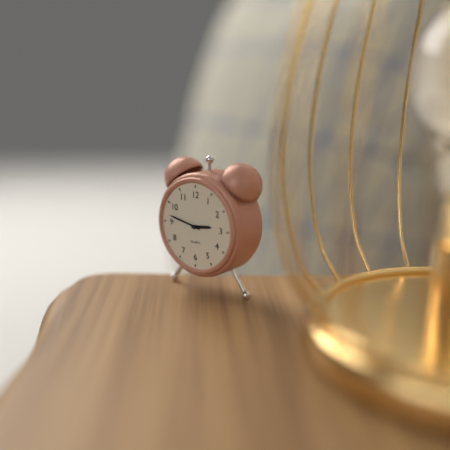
2:47
